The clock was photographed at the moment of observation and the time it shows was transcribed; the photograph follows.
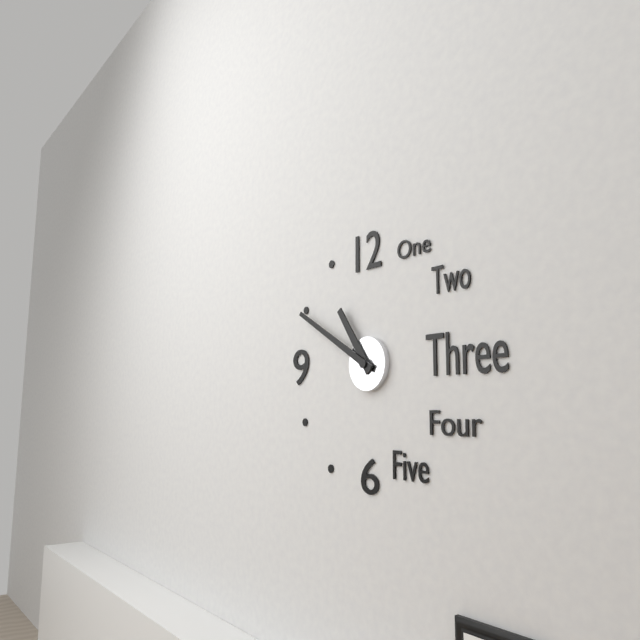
10:50
